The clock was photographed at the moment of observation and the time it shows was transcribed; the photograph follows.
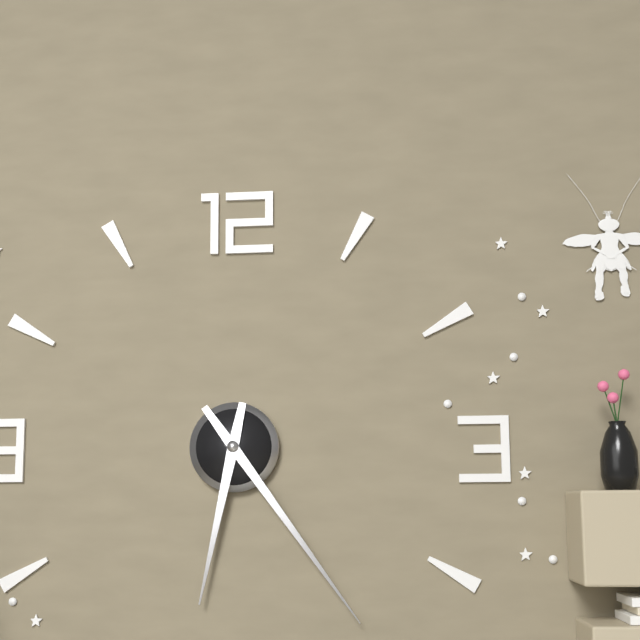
6:24
